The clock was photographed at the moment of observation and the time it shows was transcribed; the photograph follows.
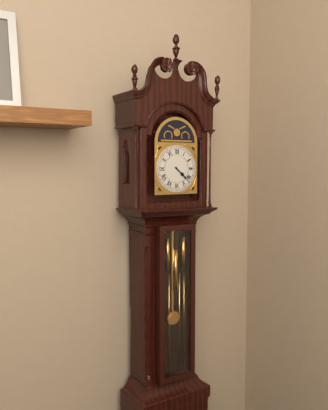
4:22
